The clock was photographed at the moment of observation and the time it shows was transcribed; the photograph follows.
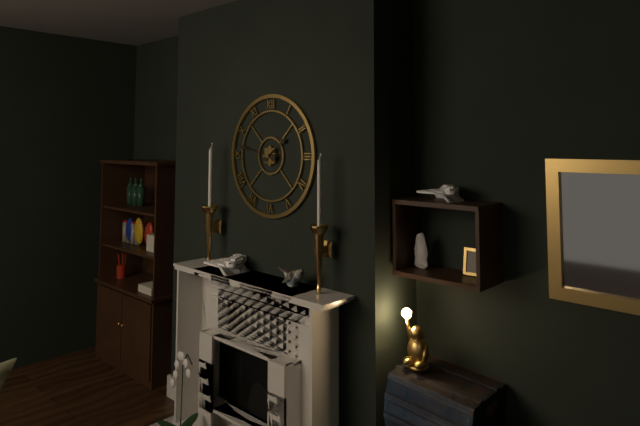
1:47
